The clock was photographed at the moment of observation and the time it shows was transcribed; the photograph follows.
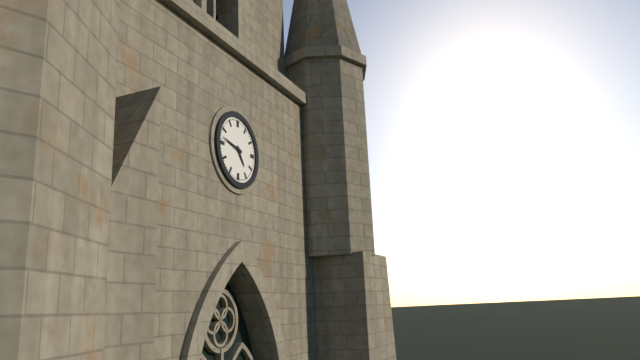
4:47
